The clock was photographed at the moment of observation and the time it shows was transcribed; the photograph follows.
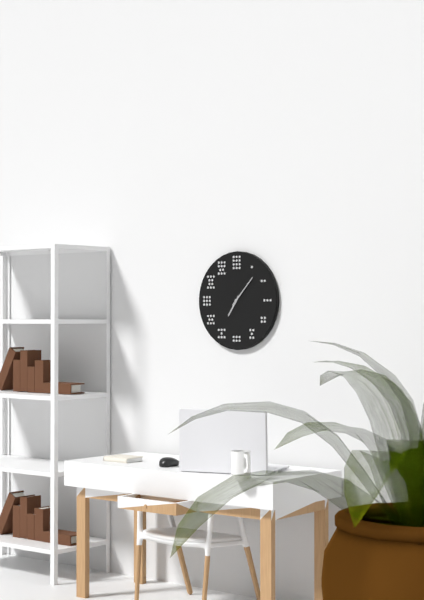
7:07
